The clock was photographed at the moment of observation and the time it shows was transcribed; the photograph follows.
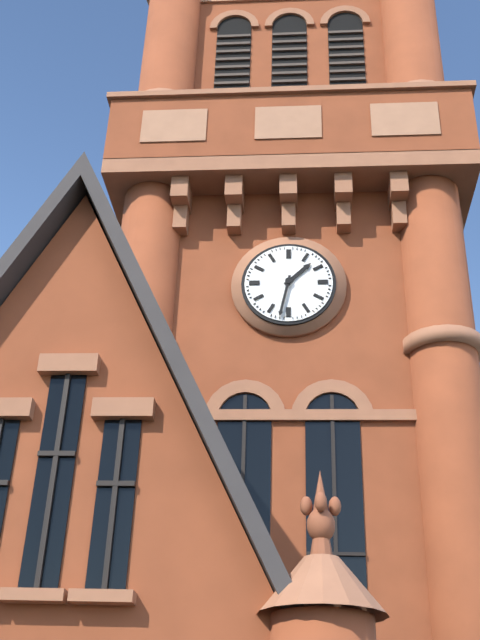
1:32
